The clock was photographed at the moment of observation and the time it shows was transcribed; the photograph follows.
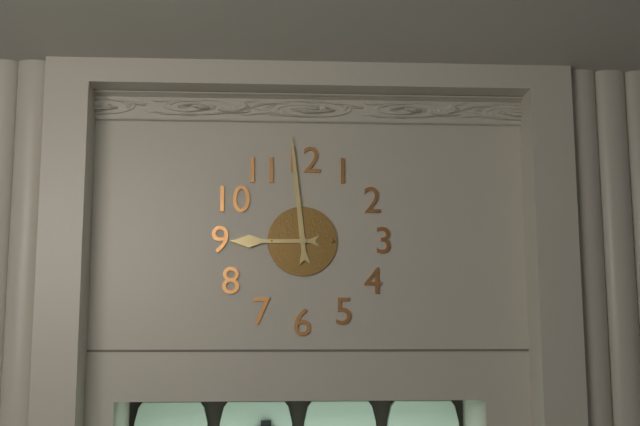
8:59
